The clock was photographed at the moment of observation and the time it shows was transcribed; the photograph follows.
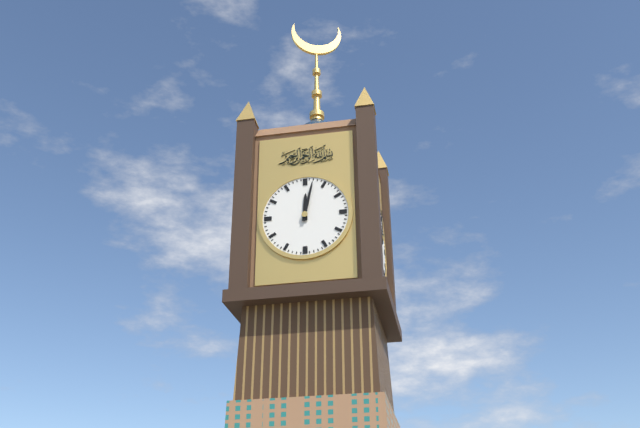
12:02
